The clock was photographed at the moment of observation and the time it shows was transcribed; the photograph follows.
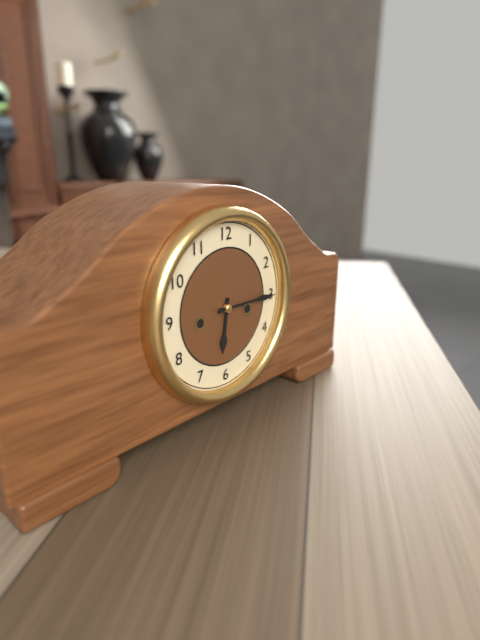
6:15
